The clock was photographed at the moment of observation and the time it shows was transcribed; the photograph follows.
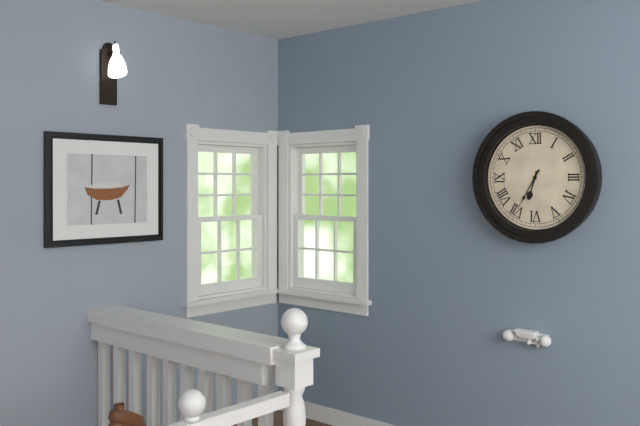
6:35
